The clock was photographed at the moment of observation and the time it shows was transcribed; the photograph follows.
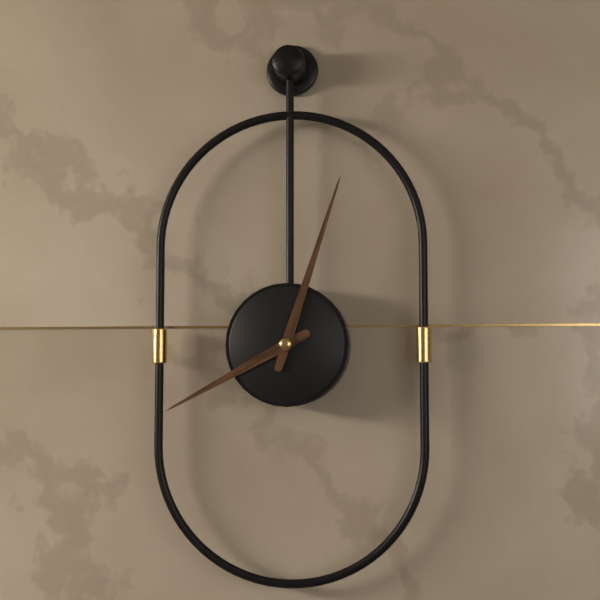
8:03
